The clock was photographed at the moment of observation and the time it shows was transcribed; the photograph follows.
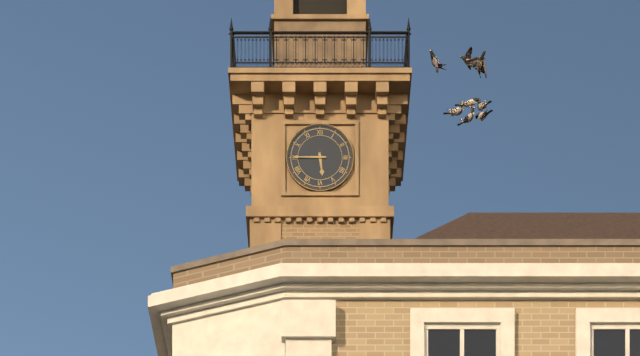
5:45
